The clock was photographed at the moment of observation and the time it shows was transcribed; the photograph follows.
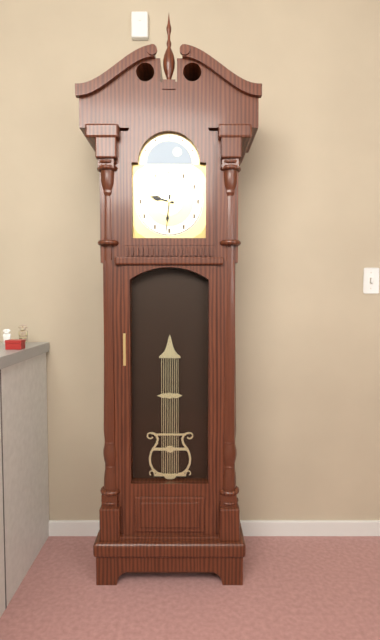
9:31
